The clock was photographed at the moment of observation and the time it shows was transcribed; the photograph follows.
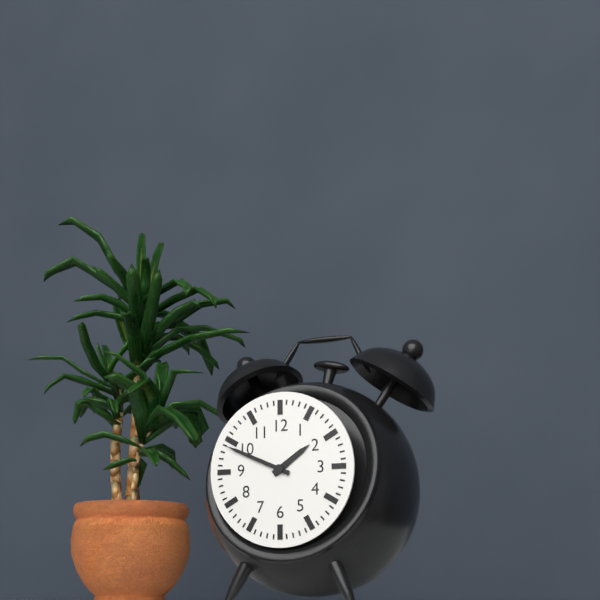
1:49
